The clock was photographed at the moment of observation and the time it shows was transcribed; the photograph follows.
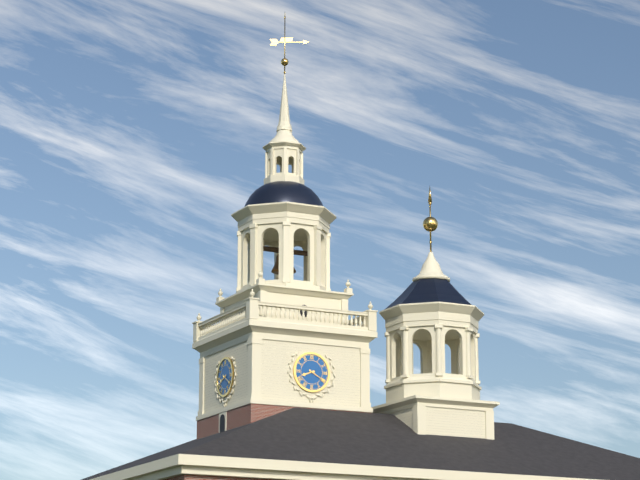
8:20
